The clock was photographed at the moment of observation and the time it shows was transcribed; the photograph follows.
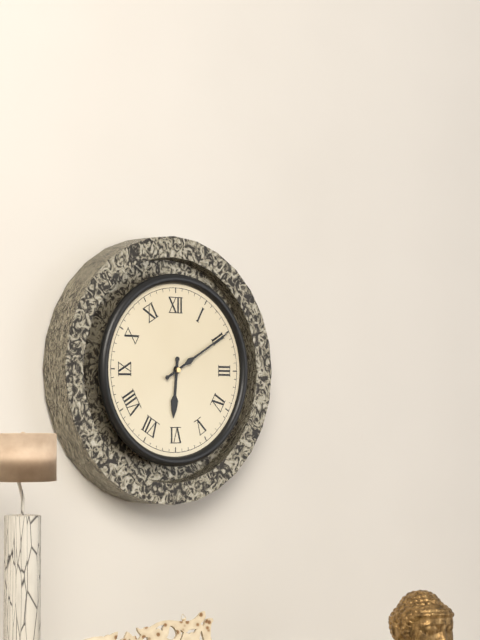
6:10
